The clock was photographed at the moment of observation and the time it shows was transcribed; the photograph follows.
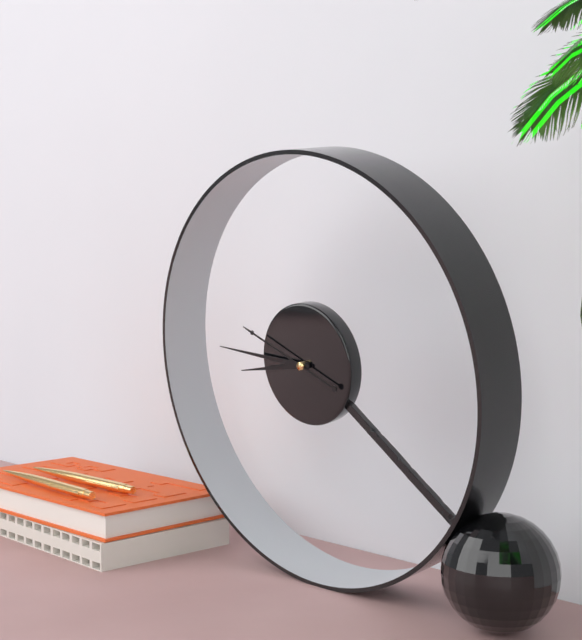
8:46:49
